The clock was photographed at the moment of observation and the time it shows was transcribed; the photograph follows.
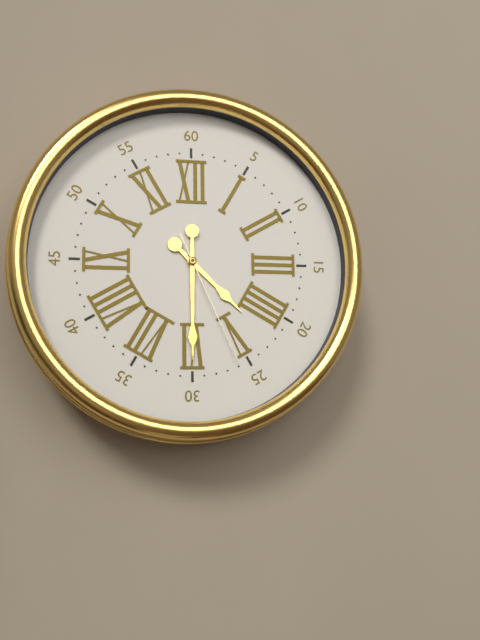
4:30:26
